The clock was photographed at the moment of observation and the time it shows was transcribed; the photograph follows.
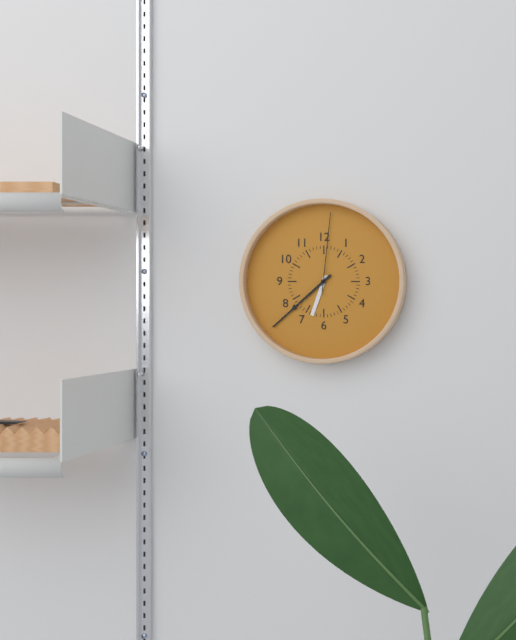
6:38:01
